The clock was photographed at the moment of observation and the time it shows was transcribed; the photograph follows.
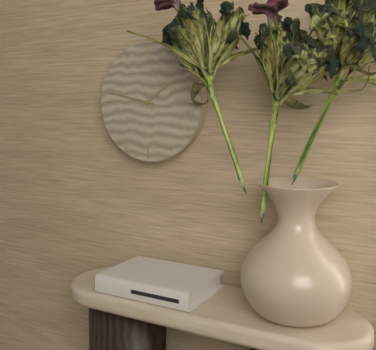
1:47
